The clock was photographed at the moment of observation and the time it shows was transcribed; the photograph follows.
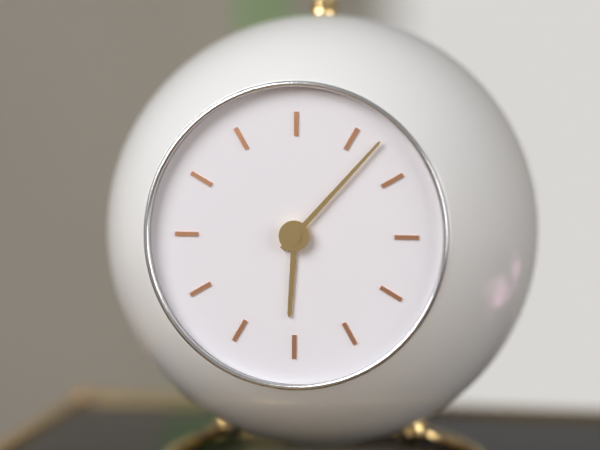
6:07
